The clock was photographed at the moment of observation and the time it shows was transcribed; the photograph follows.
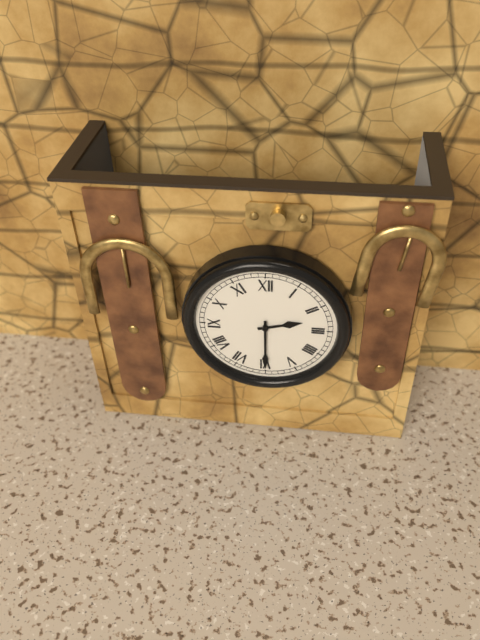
2:30
